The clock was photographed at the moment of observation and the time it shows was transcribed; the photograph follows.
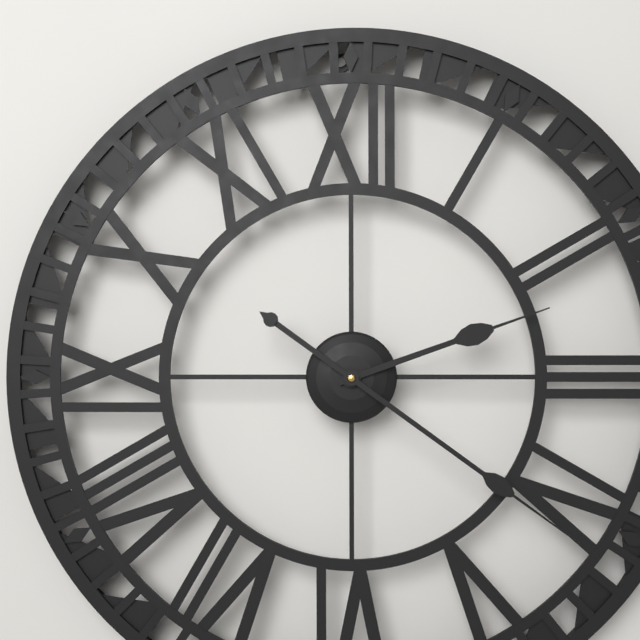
2:21
